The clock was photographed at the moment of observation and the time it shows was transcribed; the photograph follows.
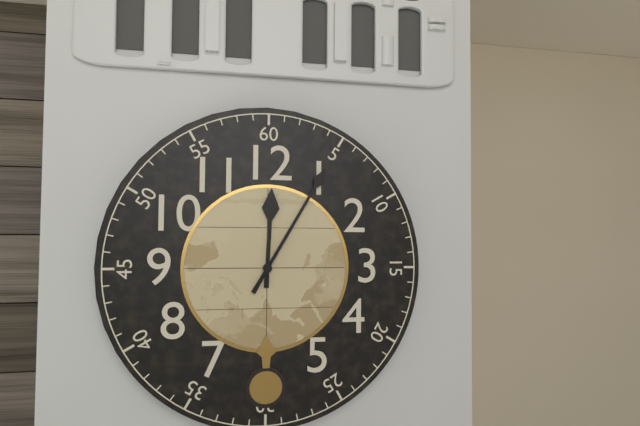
12:05
